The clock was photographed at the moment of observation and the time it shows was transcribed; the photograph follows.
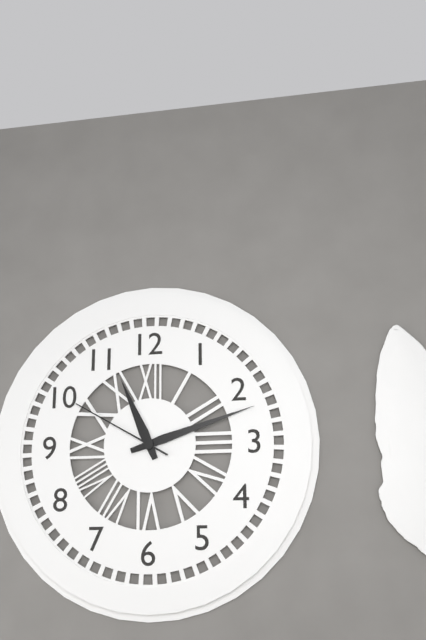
11:12:50
